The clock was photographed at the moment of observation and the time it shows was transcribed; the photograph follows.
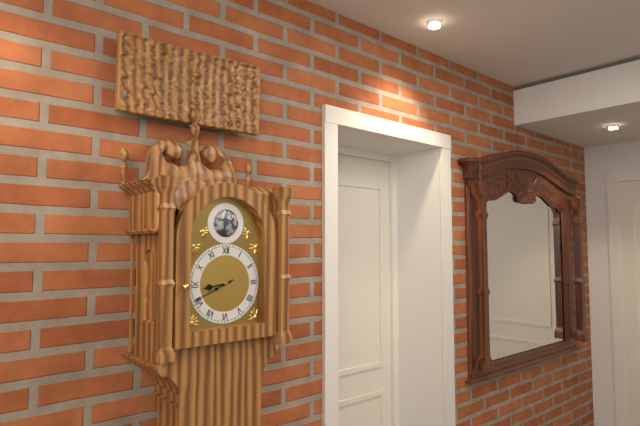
8:41
